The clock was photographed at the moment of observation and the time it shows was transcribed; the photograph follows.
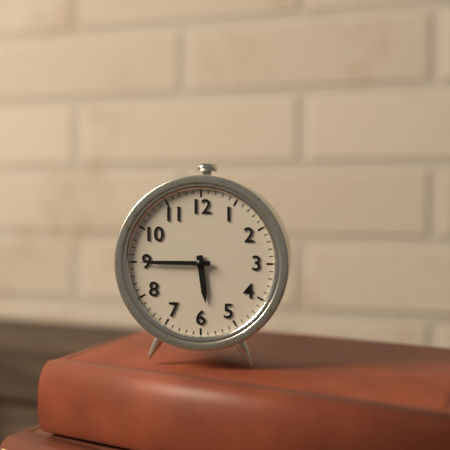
5:45
